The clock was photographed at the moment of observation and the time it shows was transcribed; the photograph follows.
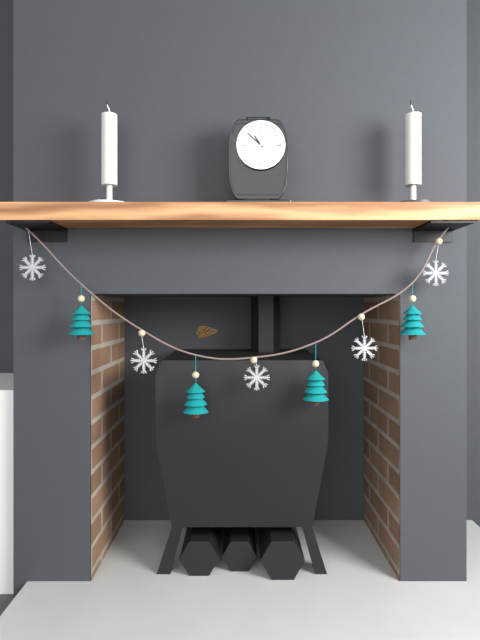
10:52
